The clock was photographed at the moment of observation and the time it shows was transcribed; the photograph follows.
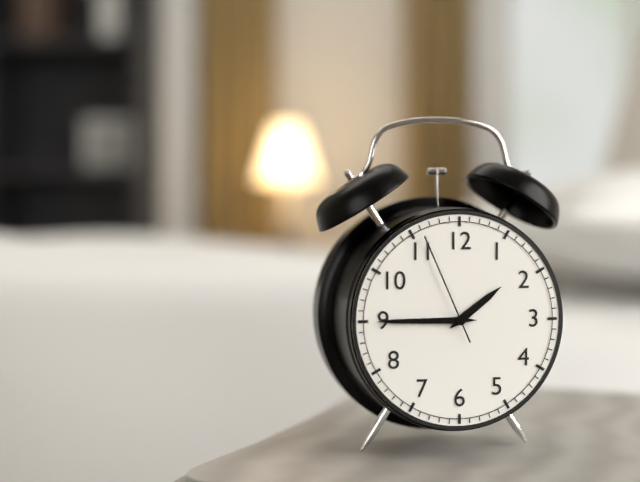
1:45:56
